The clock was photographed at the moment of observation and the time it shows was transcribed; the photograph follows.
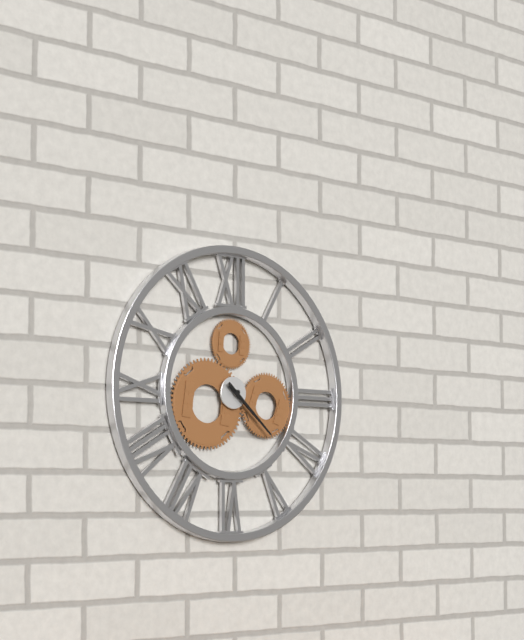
4:22
